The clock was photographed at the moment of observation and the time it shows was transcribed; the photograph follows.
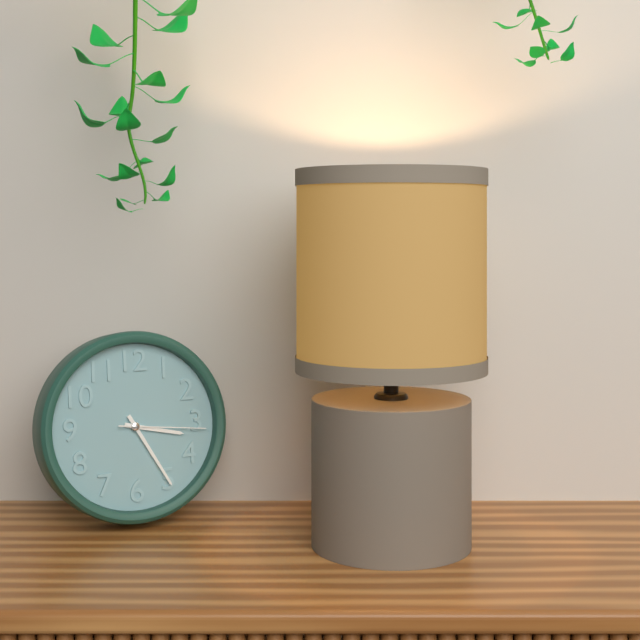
3:25:16
